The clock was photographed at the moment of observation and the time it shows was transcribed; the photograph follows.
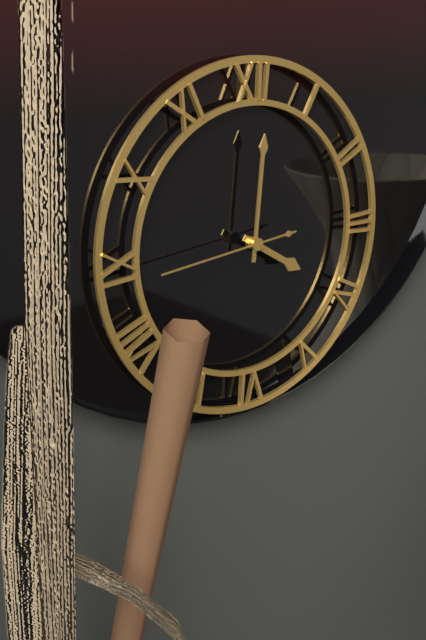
4:01:44
